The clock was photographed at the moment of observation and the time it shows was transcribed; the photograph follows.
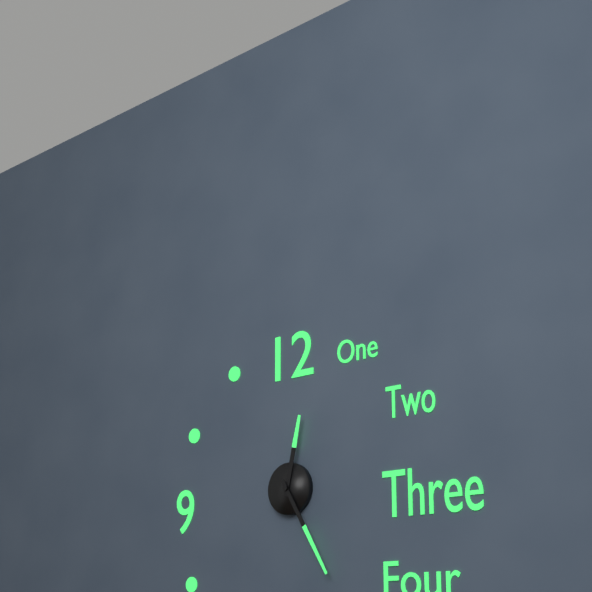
12:25
